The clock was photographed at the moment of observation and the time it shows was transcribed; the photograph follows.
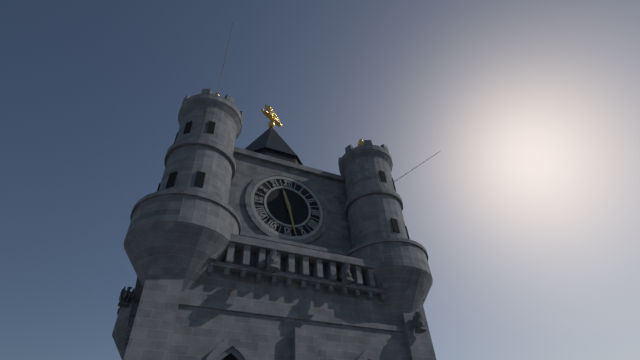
11:28
